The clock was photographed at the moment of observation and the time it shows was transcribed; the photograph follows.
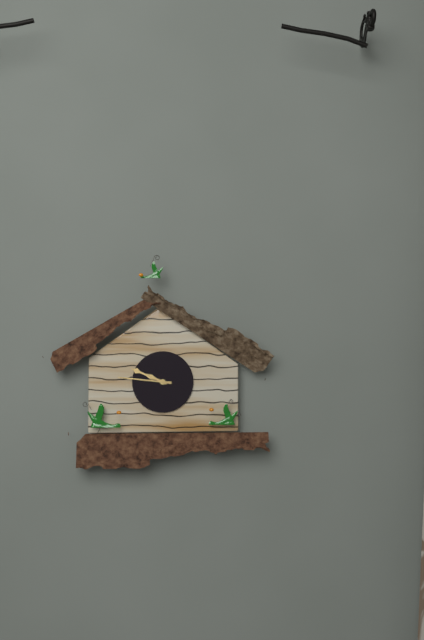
9:46
